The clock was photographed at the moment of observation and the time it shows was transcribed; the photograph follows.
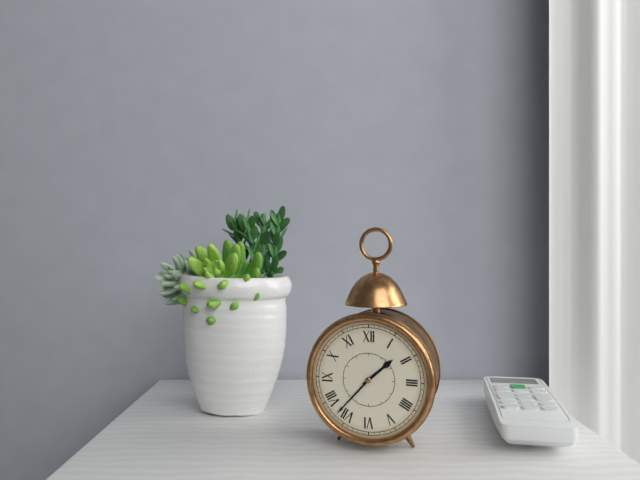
1:37
